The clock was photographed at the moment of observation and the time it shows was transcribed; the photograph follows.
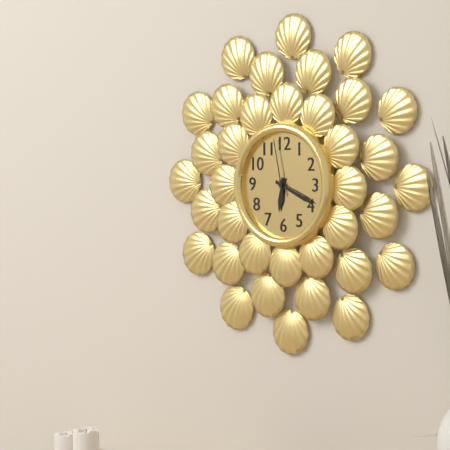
6:19:58
